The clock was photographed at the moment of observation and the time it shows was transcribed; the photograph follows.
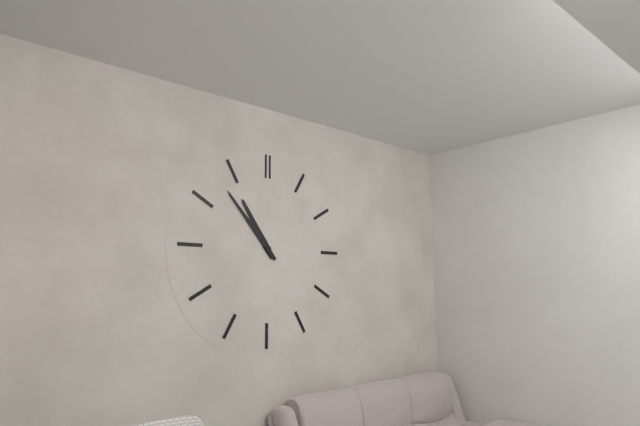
10:53
